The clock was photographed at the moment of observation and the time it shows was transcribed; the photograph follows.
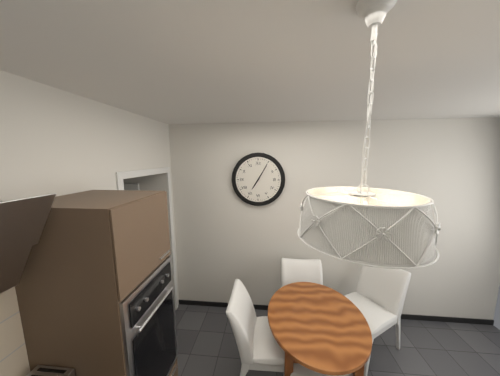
7:05
